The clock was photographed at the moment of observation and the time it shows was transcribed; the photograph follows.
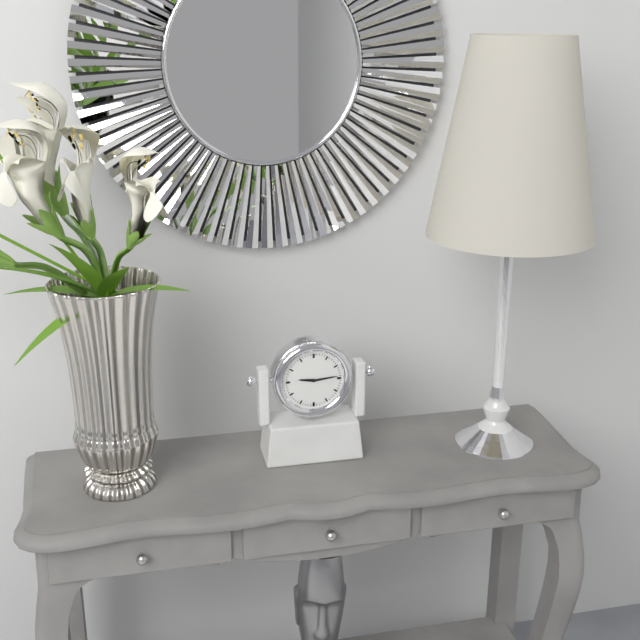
9:14
